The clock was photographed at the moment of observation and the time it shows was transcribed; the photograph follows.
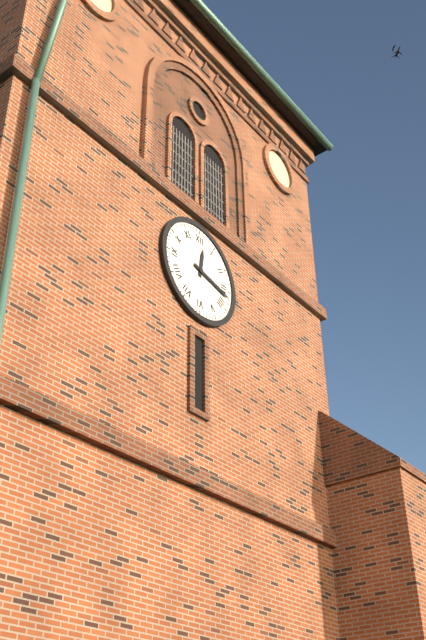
12:17
